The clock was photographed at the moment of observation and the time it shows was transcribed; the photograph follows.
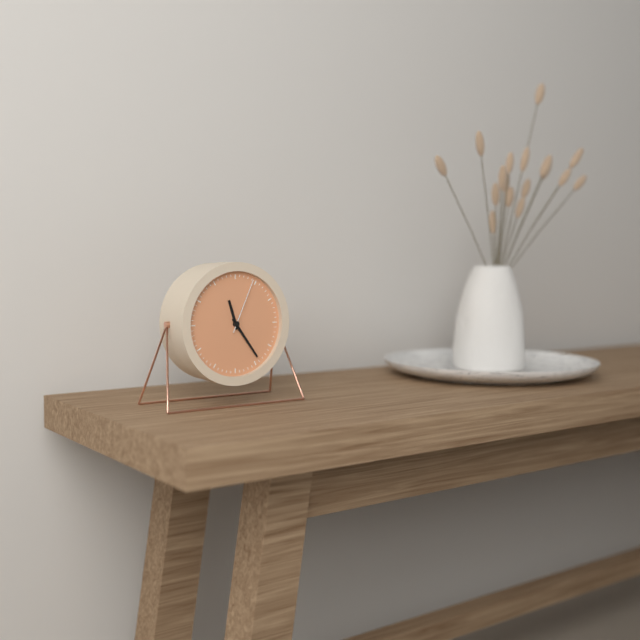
11:24:04
